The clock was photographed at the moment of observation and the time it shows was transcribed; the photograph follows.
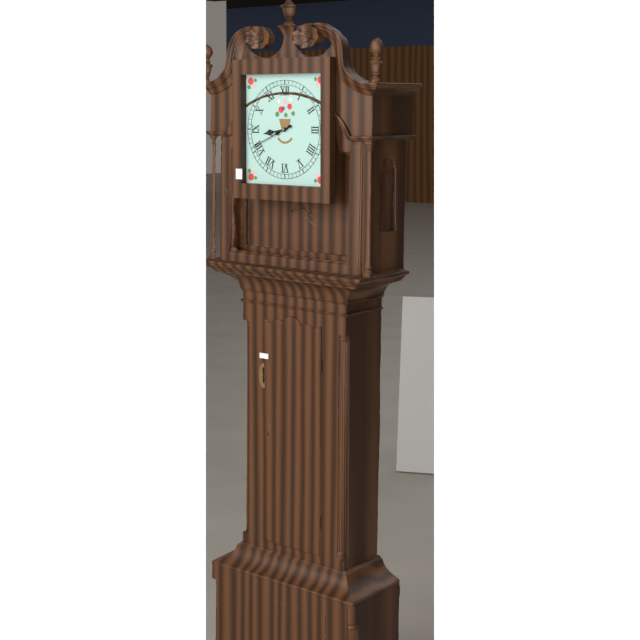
8:41
